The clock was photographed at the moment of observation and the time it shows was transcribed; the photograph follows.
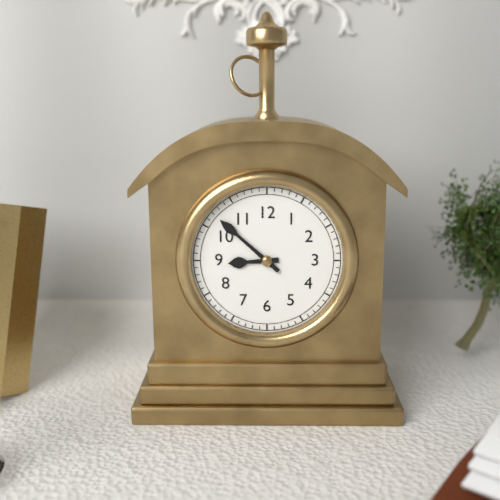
8:52
